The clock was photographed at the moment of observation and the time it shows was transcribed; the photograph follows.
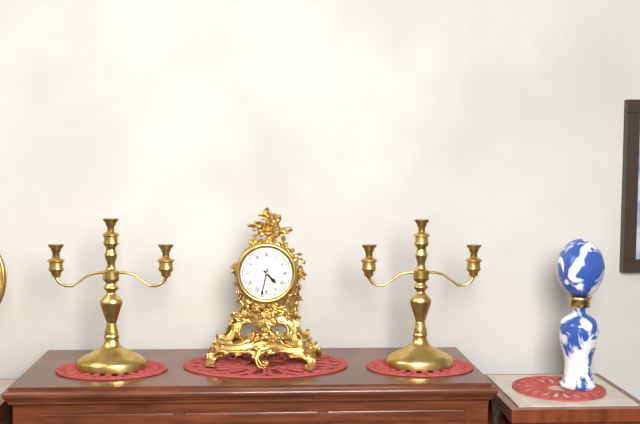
4:32
